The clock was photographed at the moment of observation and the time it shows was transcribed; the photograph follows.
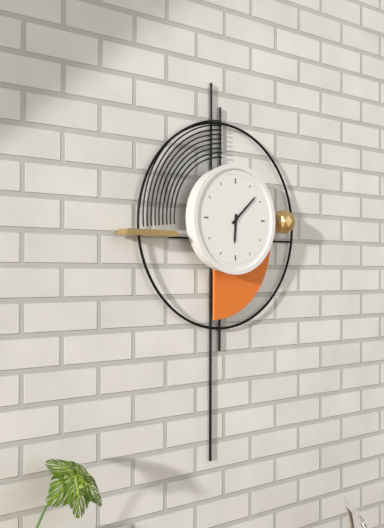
6:08
